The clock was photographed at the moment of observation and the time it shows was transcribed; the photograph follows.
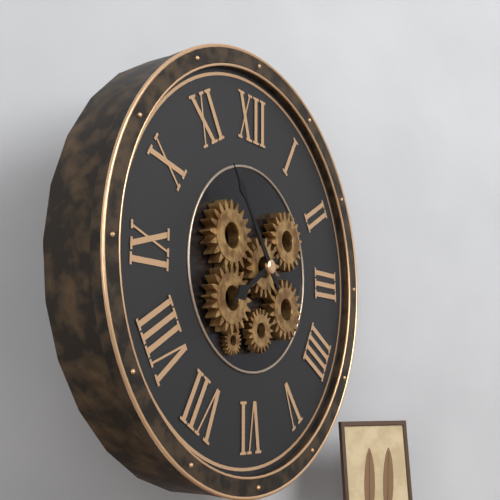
7:54
